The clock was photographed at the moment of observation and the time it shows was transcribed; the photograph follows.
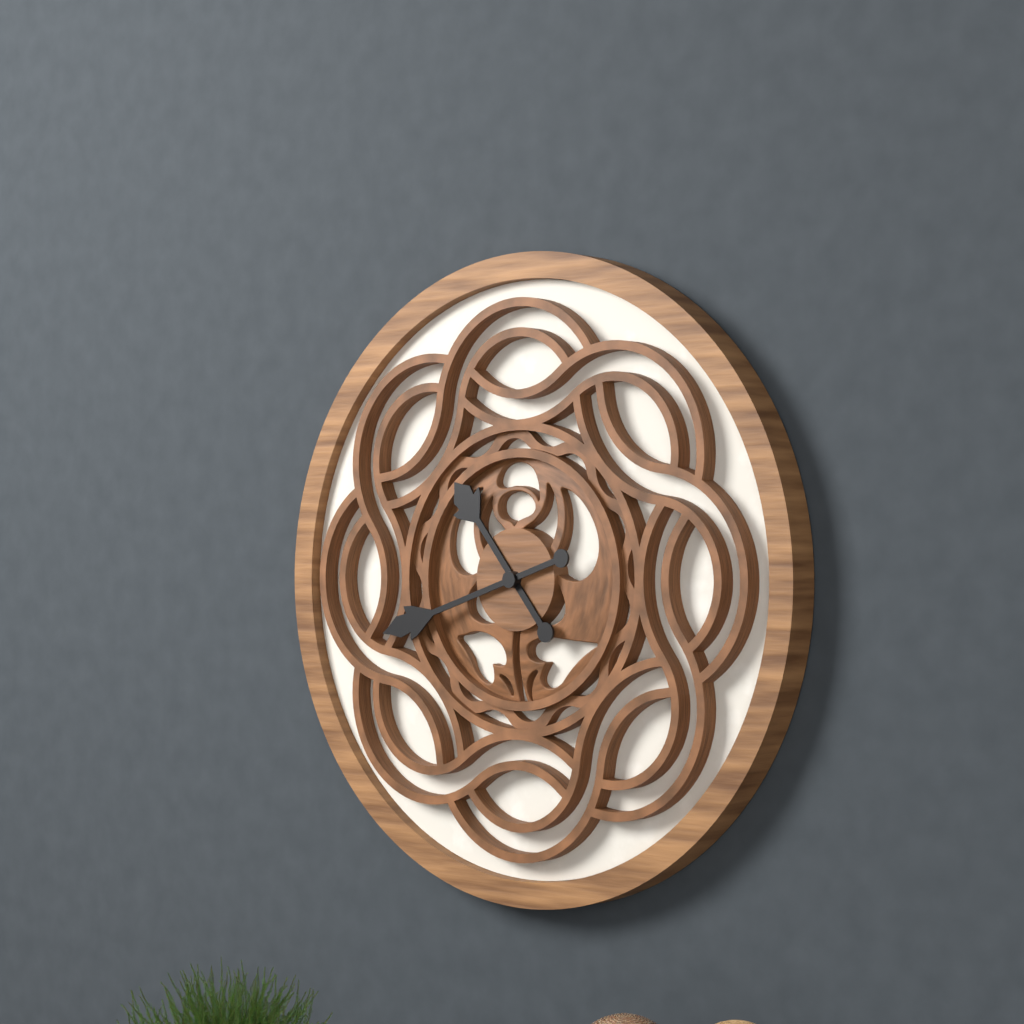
10:42
